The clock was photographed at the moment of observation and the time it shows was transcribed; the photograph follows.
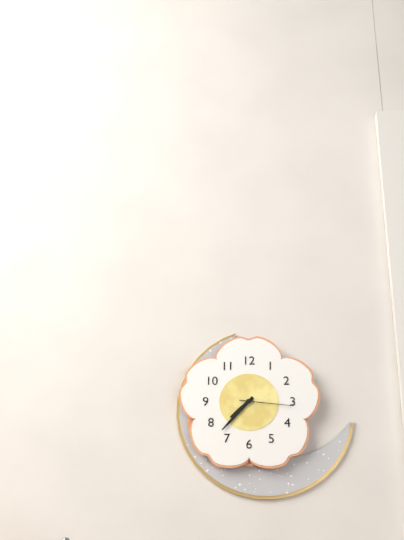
7:37:16
